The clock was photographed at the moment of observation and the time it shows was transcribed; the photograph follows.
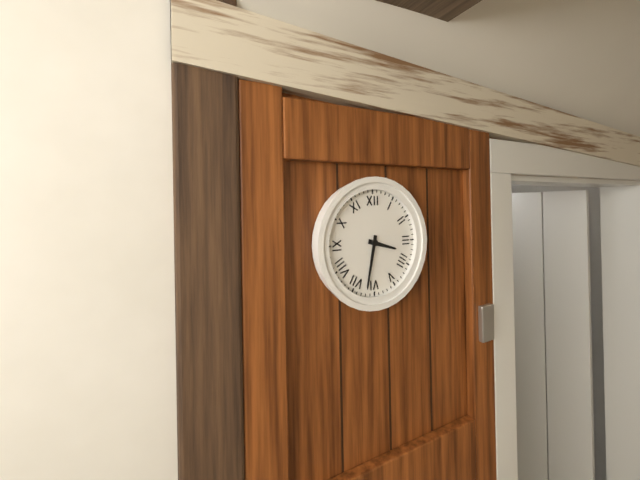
3:32
